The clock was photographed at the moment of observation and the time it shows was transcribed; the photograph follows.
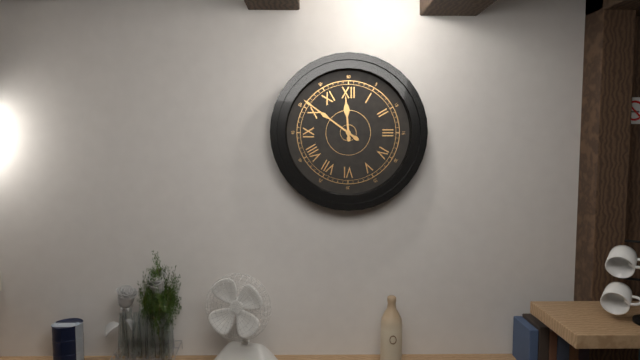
11:51
